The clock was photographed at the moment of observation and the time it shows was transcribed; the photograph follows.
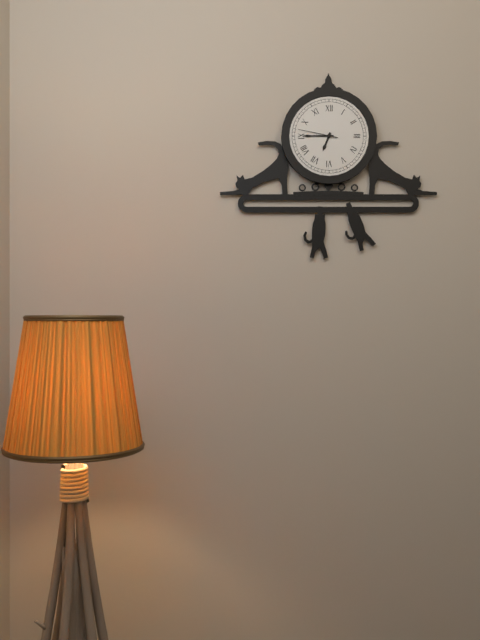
6:45
